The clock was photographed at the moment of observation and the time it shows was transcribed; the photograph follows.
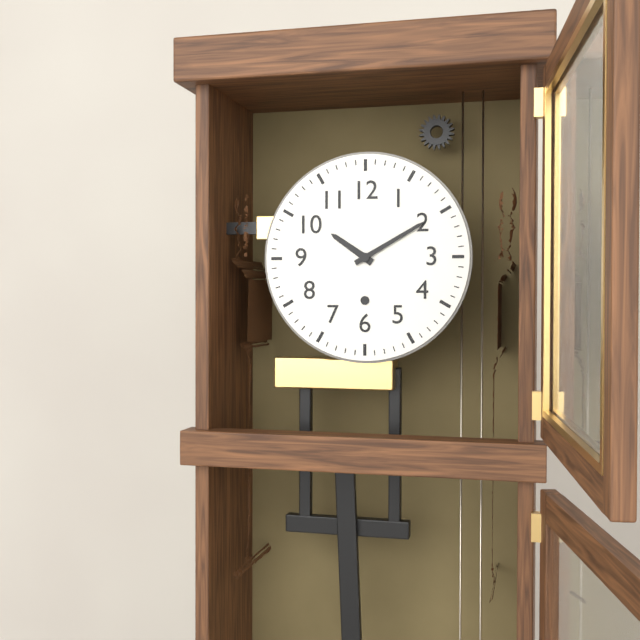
10:10
